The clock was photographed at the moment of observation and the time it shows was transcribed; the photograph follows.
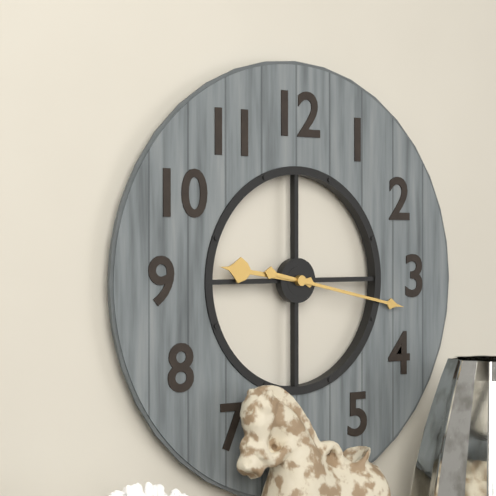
9:17
